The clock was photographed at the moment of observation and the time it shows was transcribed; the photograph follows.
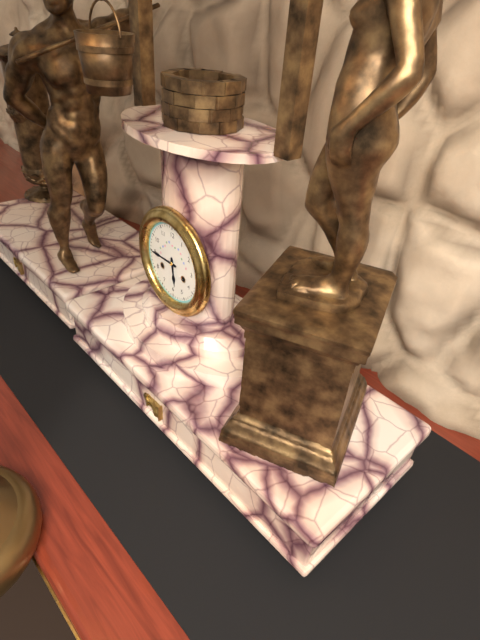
5:45
